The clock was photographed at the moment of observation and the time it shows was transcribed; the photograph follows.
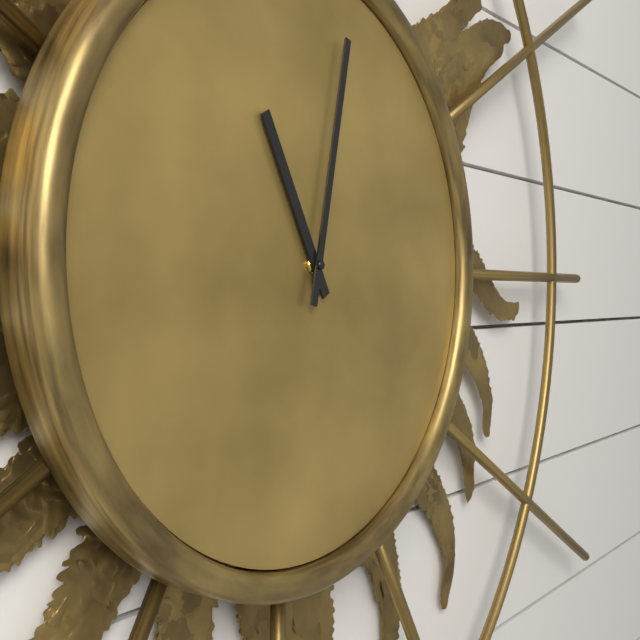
11:02
